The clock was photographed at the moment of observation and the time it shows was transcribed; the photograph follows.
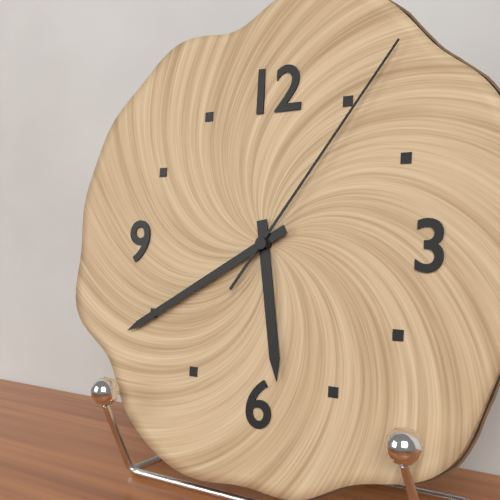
5:40:06
